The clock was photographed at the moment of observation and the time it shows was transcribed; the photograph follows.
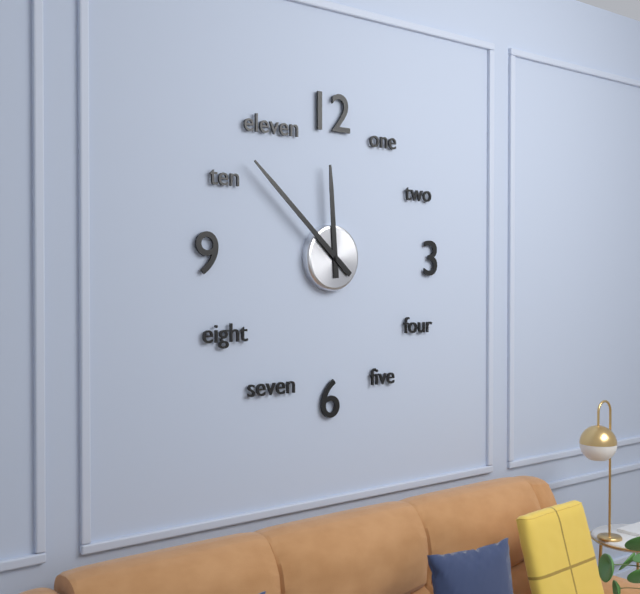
11:52
